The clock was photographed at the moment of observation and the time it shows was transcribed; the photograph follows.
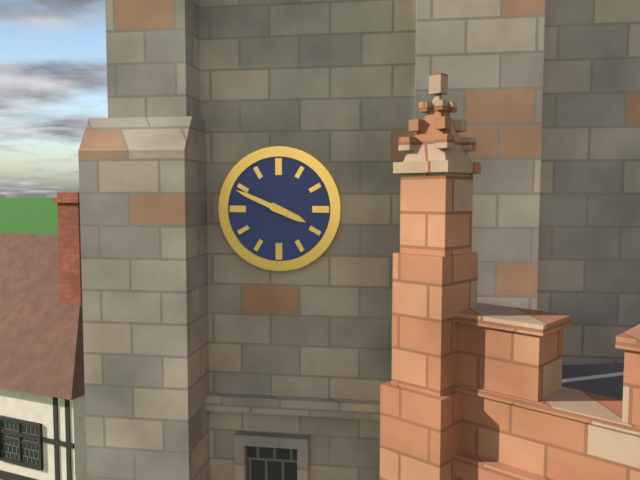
3:49
